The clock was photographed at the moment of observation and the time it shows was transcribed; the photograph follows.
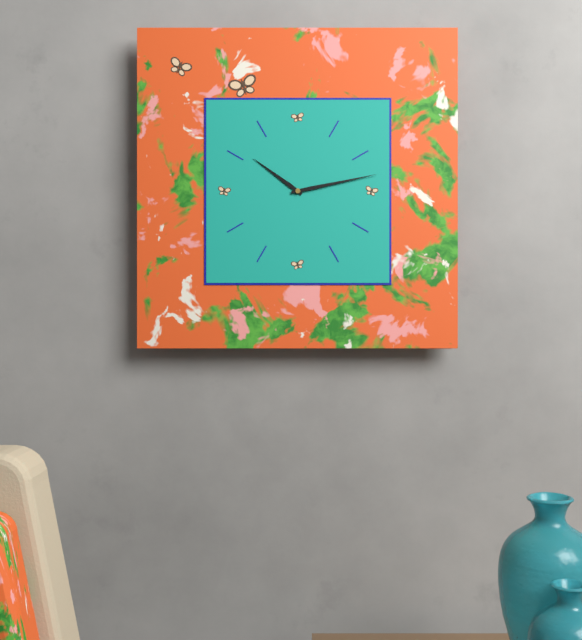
10:13
